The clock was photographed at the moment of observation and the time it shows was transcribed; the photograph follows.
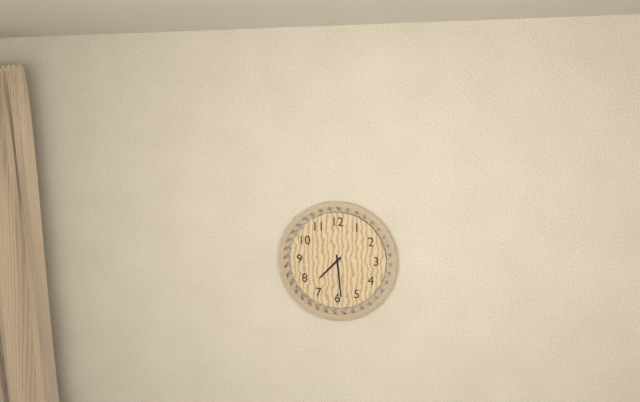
7:29
